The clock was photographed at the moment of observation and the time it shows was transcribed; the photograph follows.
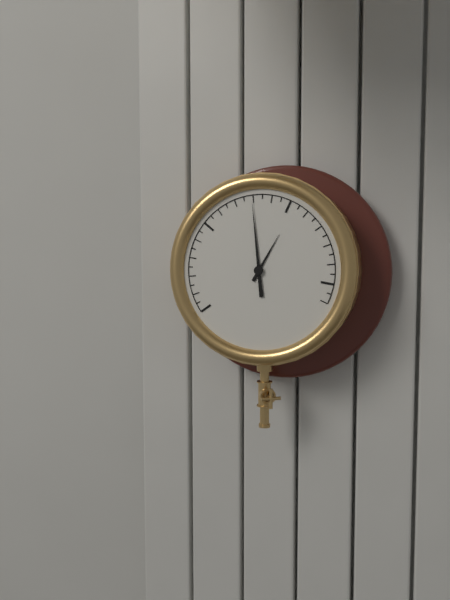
12:59
